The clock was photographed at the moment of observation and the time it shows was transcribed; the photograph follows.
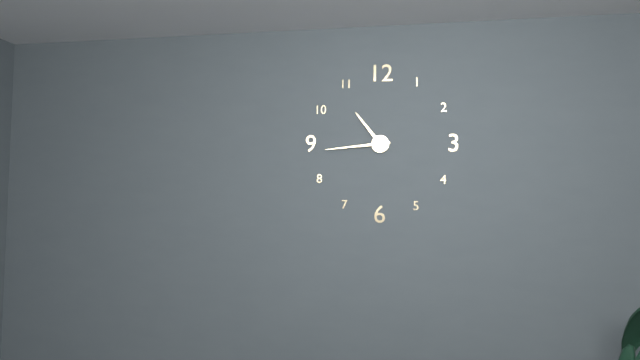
10:44
